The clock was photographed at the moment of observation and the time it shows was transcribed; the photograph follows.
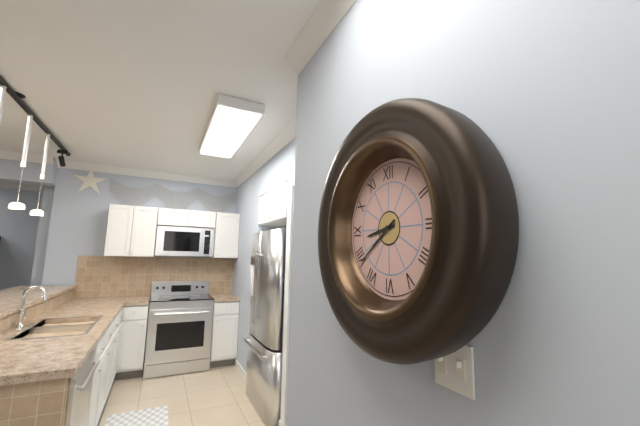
8:39
